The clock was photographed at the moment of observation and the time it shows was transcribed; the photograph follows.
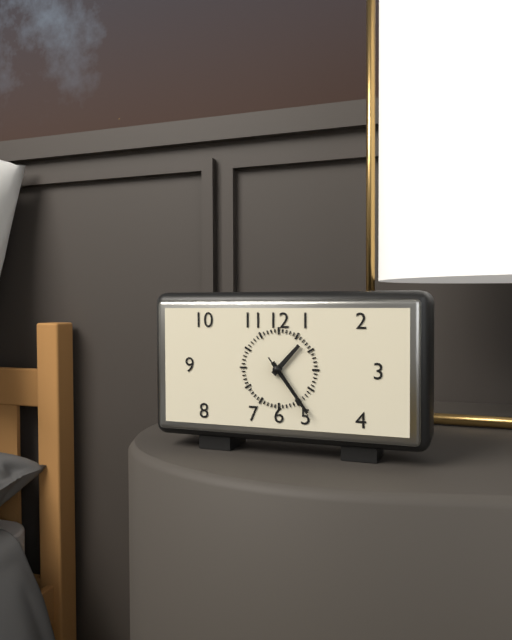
1:24:24
